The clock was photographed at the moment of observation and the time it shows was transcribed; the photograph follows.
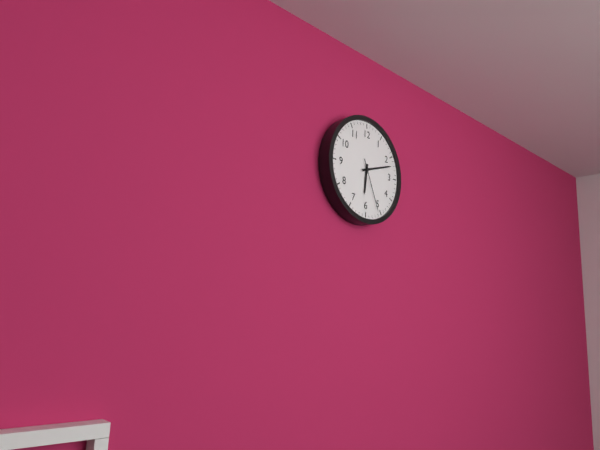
6:12:26
